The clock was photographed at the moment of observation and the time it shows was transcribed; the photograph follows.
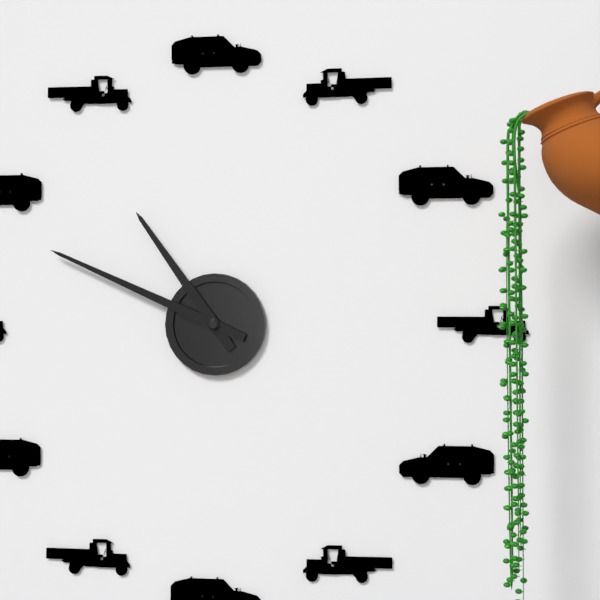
10:49
